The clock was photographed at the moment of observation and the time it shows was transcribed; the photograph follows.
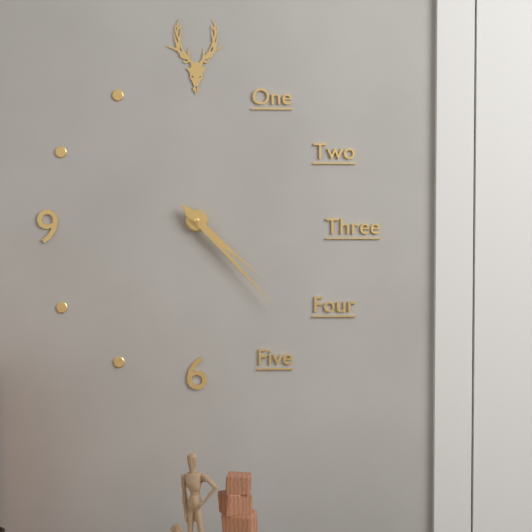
4:23
